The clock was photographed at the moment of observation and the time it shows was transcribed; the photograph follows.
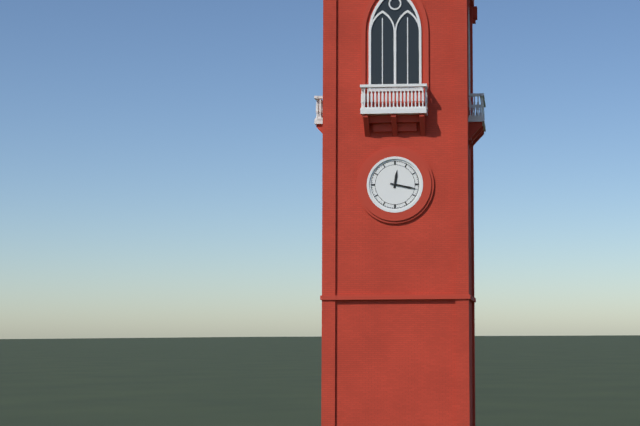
12:17
